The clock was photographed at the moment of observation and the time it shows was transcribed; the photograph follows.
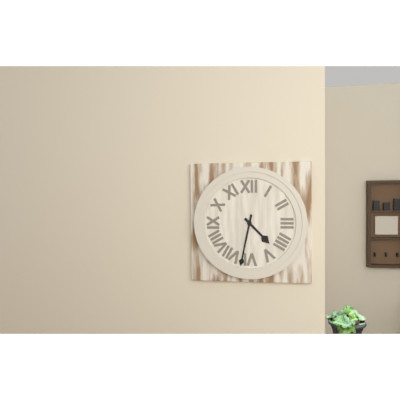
4:32
